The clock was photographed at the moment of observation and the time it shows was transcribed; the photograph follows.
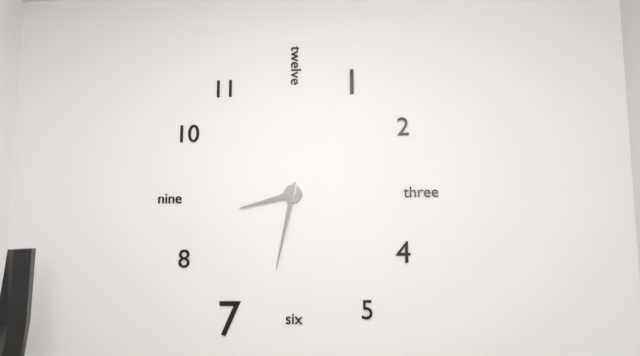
8:32
